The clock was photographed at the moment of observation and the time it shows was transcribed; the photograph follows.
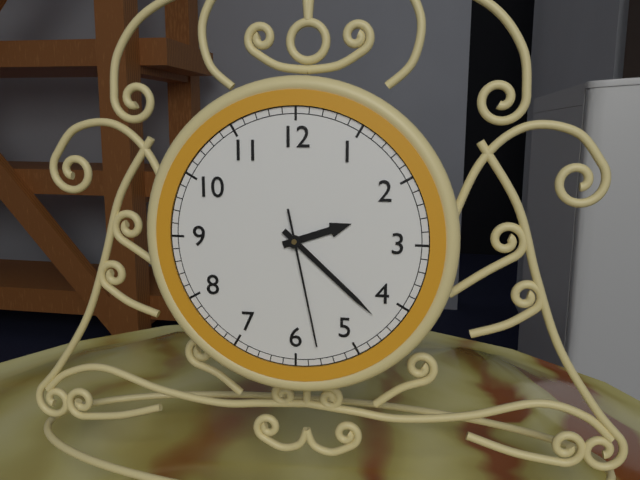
2:22:28
